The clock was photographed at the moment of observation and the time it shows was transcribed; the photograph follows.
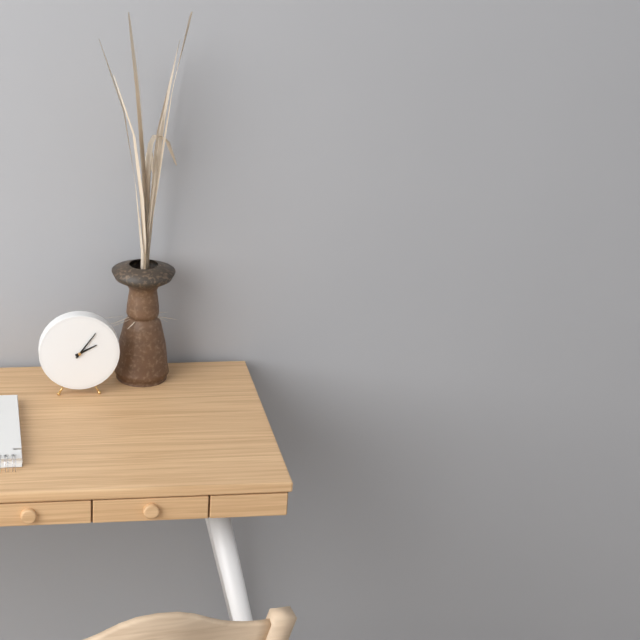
2:06
